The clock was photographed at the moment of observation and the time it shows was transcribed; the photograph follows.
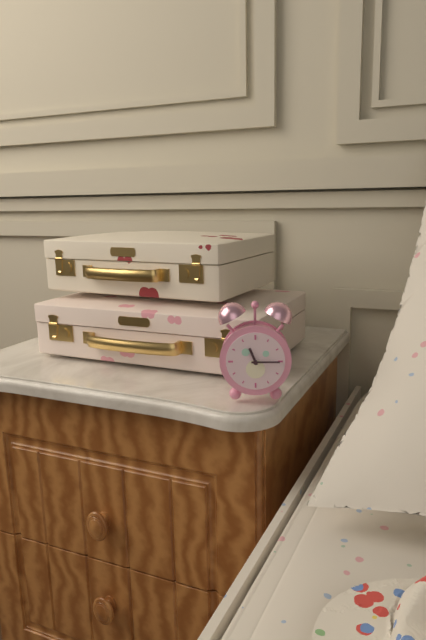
11:15
